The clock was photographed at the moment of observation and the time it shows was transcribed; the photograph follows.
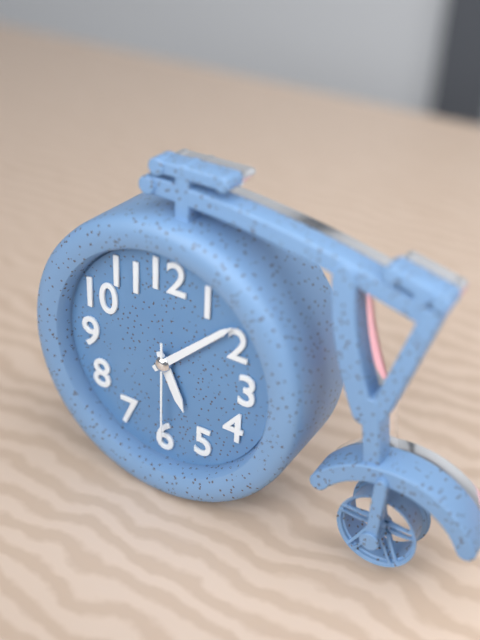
5:08:30
